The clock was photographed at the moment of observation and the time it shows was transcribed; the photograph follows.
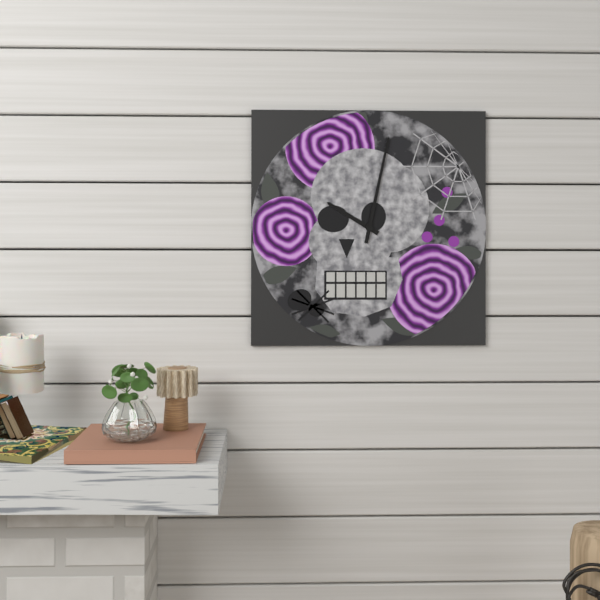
10:02
